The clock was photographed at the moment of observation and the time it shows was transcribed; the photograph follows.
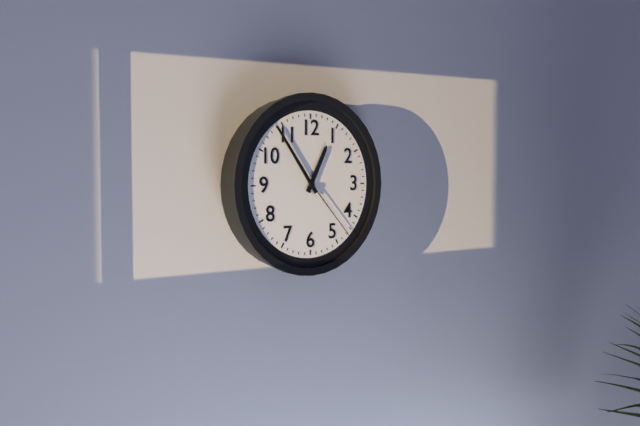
12:54:23
